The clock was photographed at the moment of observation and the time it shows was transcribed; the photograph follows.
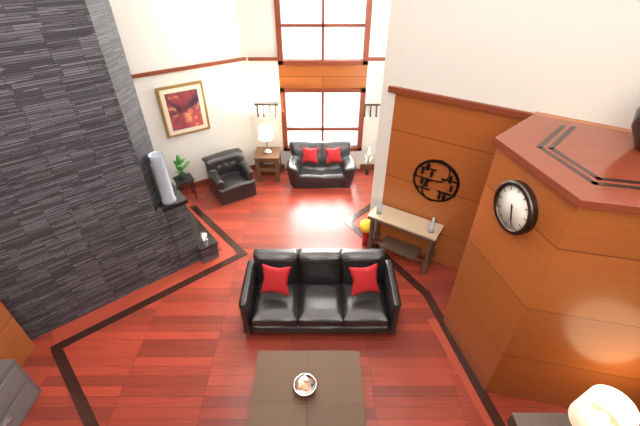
5:26
